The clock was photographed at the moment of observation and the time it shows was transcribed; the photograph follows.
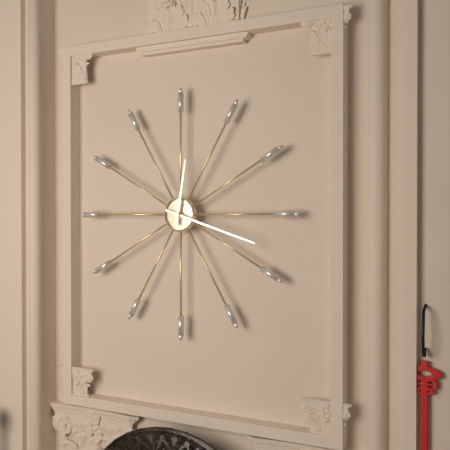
12:18
